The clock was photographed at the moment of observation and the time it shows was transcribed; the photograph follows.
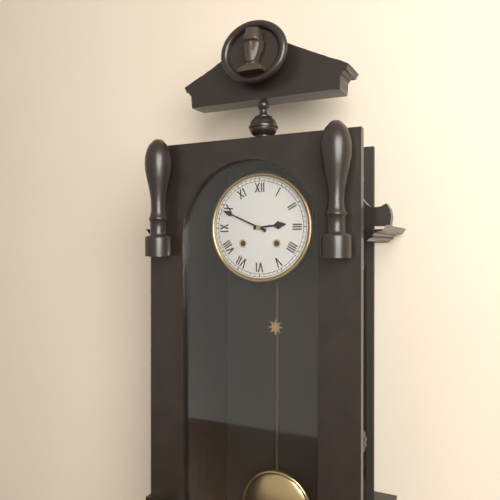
2:49
